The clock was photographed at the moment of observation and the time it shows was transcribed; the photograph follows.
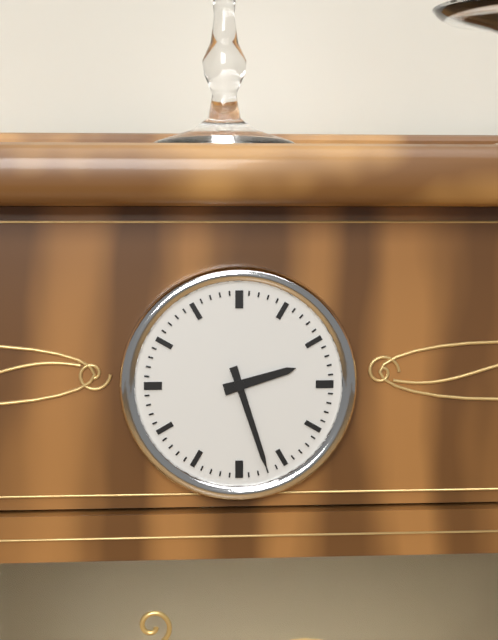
2:27
